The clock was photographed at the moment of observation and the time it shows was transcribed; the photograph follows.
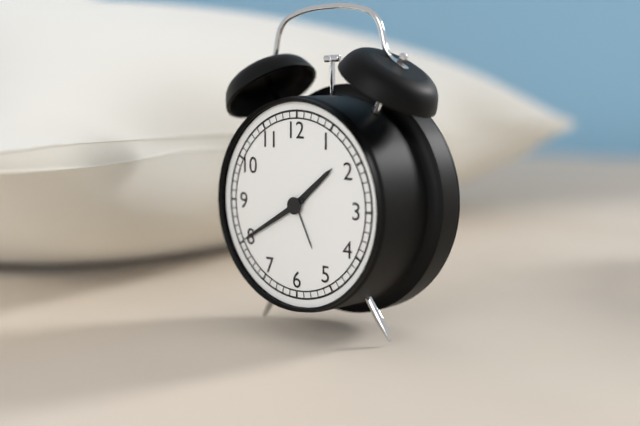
1:40
